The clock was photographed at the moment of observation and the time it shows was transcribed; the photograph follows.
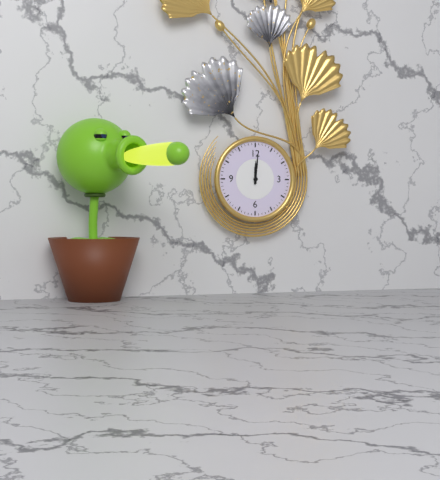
12:01
